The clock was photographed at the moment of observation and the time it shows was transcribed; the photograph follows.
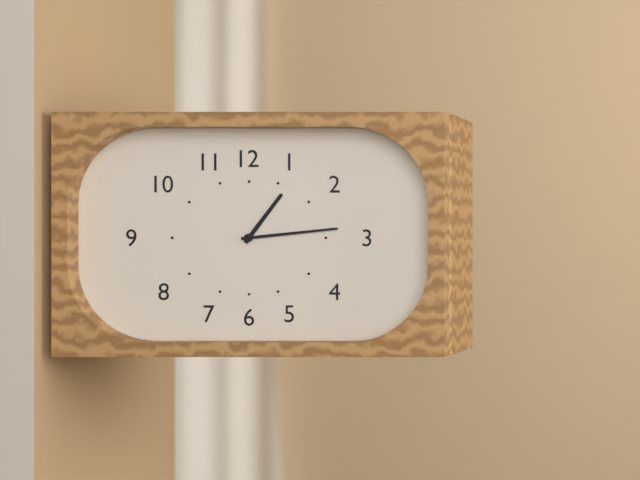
1:14
